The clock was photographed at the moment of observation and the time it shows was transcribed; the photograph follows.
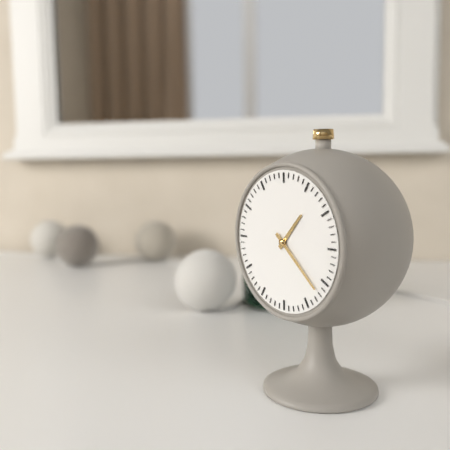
1:22
